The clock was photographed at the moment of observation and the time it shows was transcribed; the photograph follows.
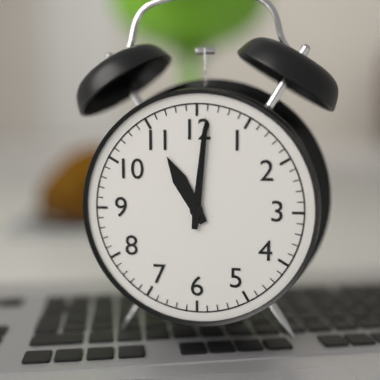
11:01
